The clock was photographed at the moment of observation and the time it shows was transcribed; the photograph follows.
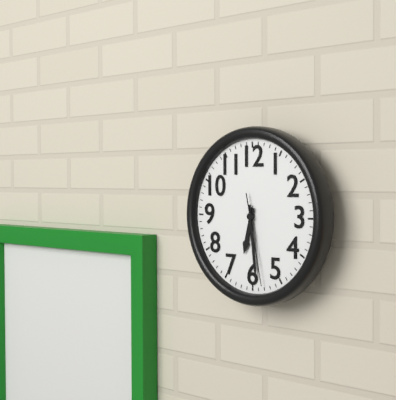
6:29:28
